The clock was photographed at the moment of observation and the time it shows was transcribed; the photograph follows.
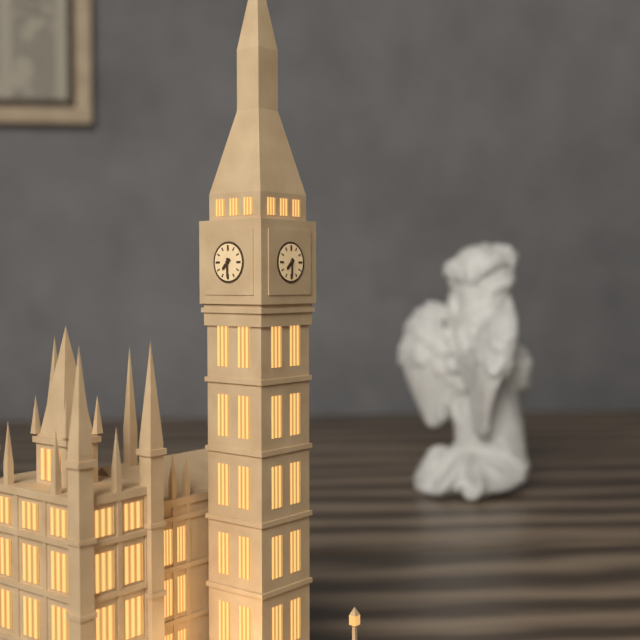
7:30
